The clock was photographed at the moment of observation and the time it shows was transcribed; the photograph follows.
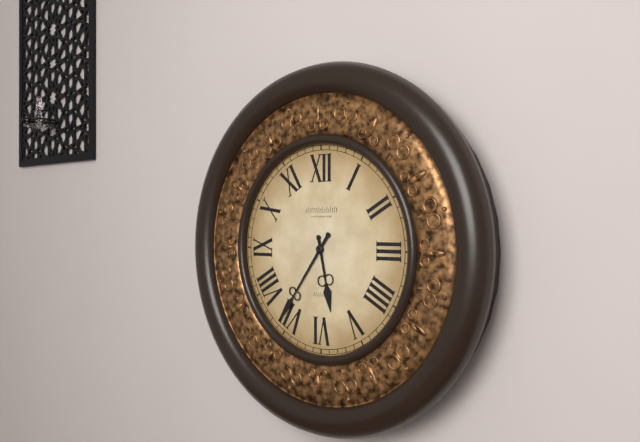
5:36
